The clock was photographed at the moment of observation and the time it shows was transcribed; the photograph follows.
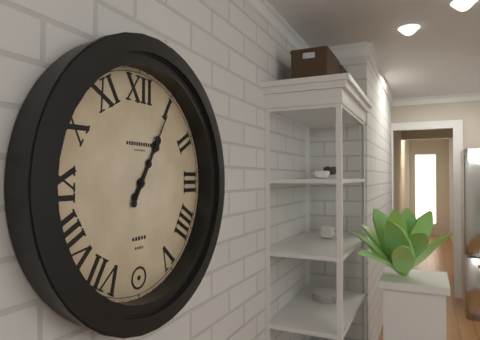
1:05
